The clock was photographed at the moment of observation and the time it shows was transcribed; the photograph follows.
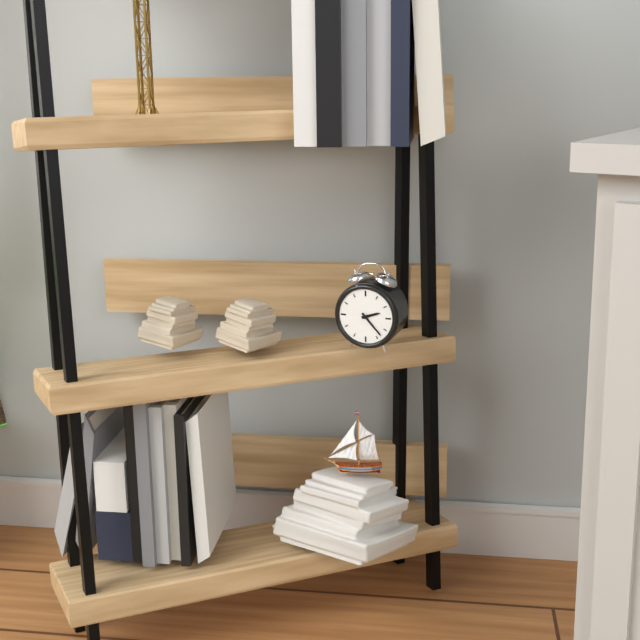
2:23
